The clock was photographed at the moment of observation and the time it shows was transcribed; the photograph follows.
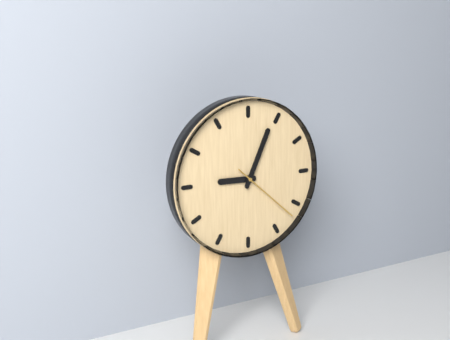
9:04:22
